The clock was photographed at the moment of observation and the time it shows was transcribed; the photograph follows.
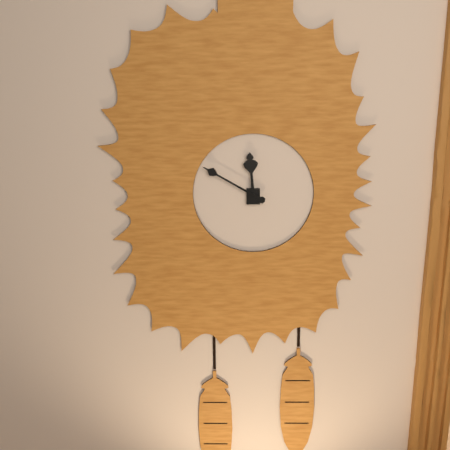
11:50
